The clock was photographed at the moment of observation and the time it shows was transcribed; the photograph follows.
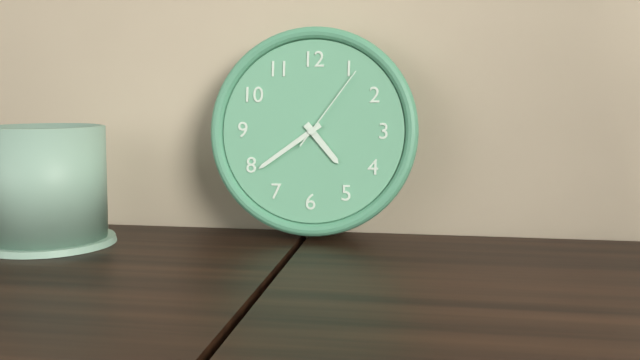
4:39:06
